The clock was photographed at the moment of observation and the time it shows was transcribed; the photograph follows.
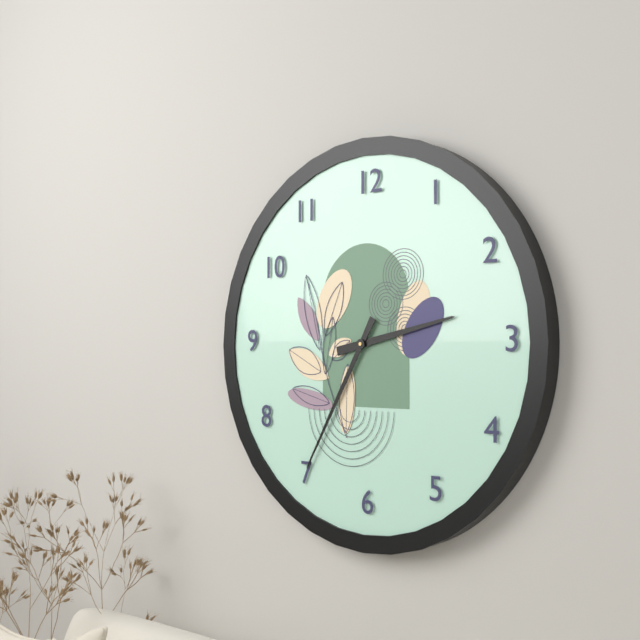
2:35
